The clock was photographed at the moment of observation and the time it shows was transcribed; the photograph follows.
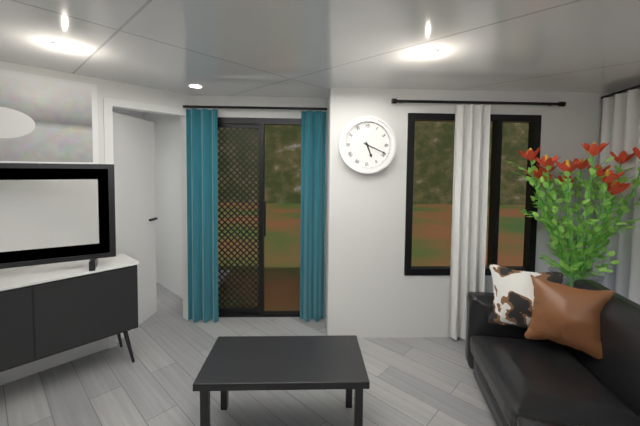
5:19
